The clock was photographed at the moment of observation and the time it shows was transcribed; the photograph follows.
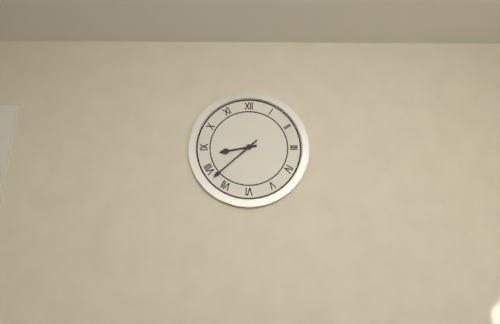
8:38
